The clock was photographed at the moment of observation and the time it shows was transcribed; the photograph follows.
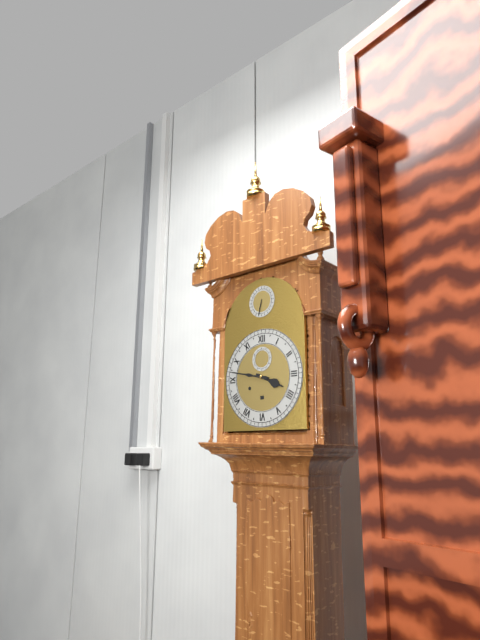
3:47
